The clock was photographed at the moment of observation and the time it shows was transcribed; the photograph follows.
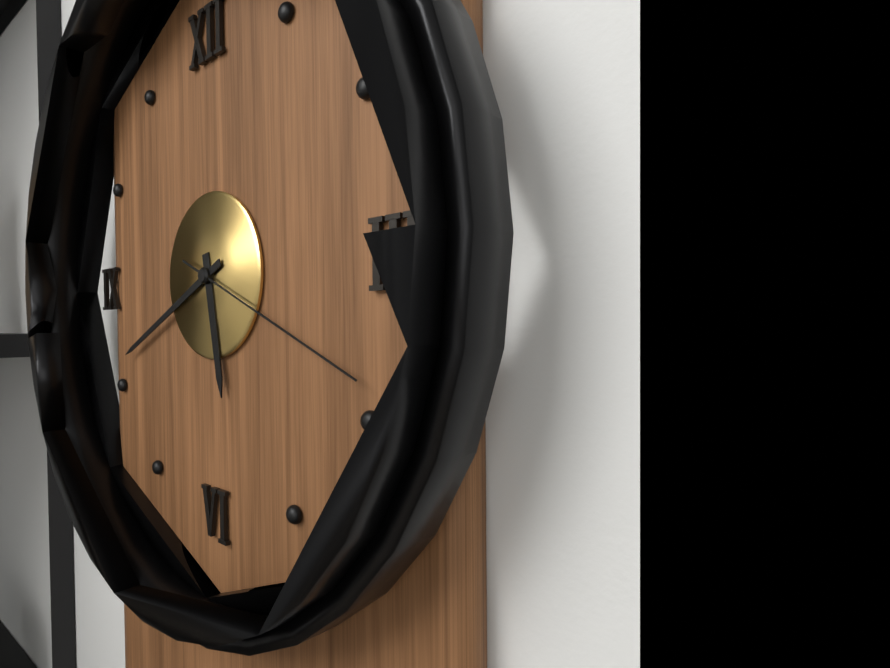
5:41:19
